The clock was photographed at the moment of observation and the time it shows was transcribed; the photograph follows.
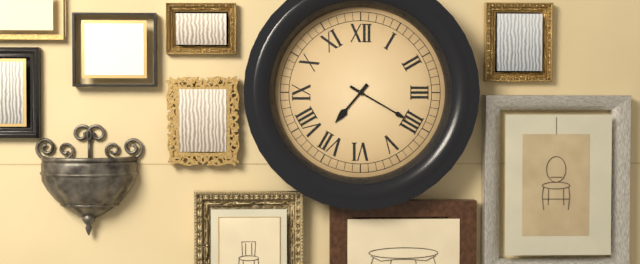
7:20
